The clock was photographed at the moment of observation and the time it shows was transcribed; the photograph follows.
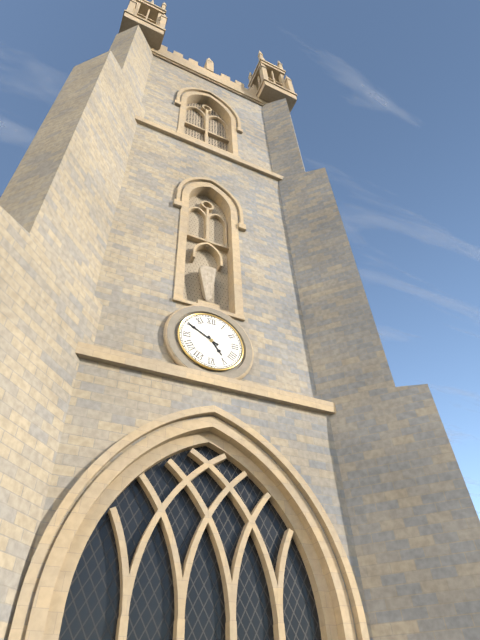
4:50
